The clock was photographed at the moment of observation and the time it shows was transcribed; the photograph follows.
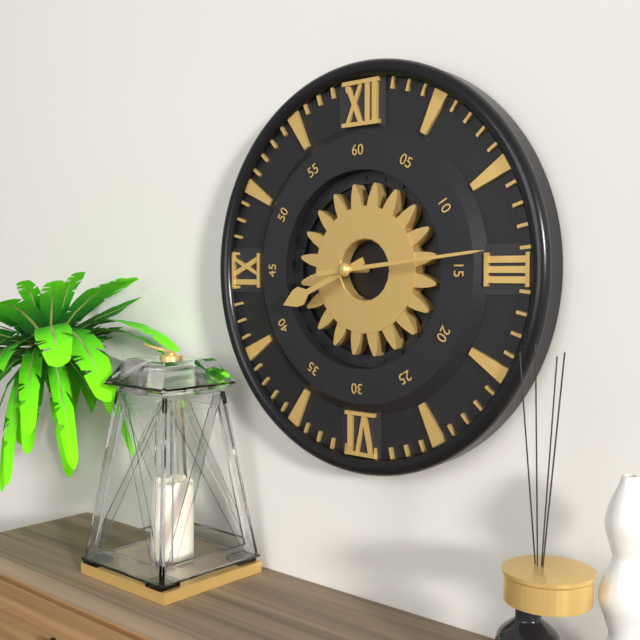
8:14
